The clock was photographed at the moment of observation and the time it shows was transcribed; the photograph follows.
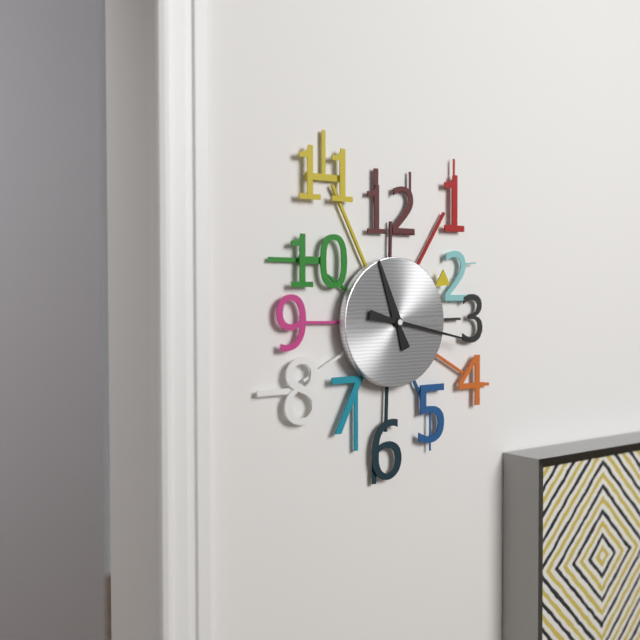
11:17
